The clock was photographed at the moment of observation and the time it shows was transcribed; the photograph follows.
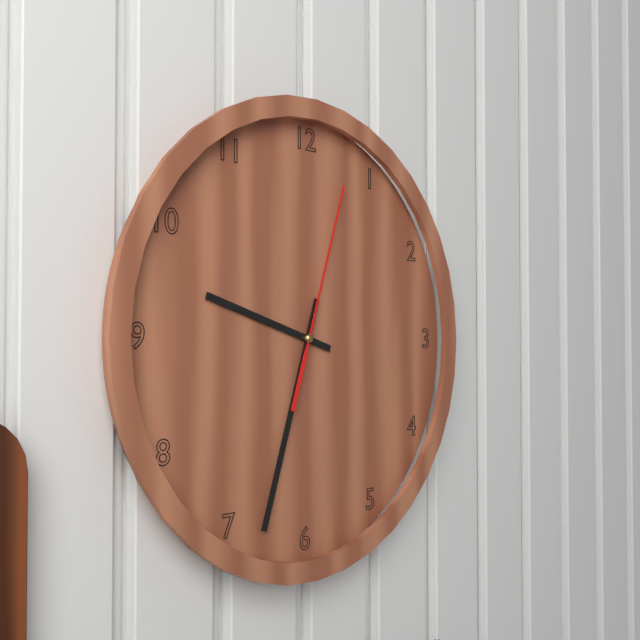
9:33:03
